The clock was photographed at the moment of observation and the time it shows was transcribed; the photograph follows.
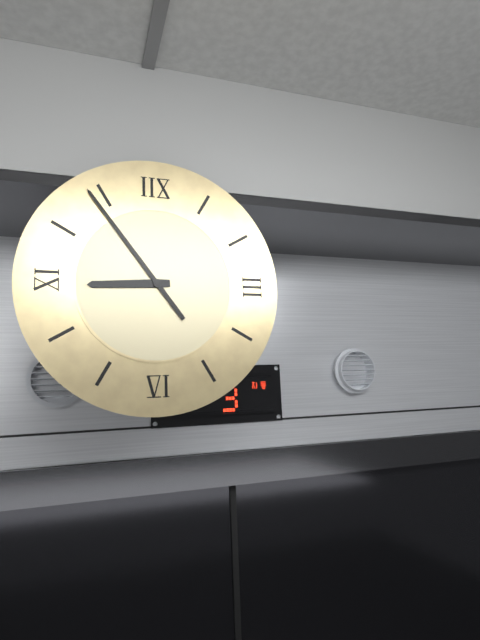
8:54
